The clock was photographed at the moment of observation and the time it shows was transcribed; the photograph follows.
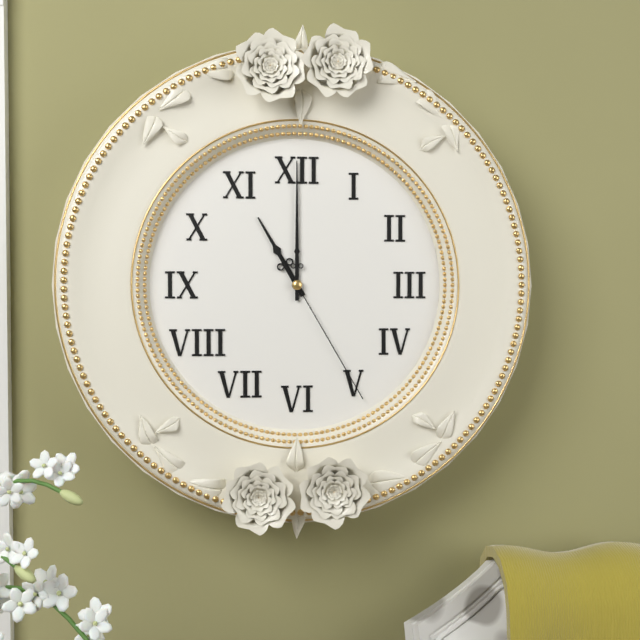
11:00:25
